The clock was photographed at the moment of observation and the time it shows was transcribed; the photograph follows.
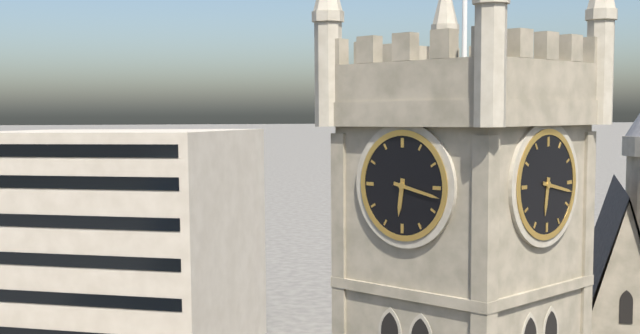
6:17
